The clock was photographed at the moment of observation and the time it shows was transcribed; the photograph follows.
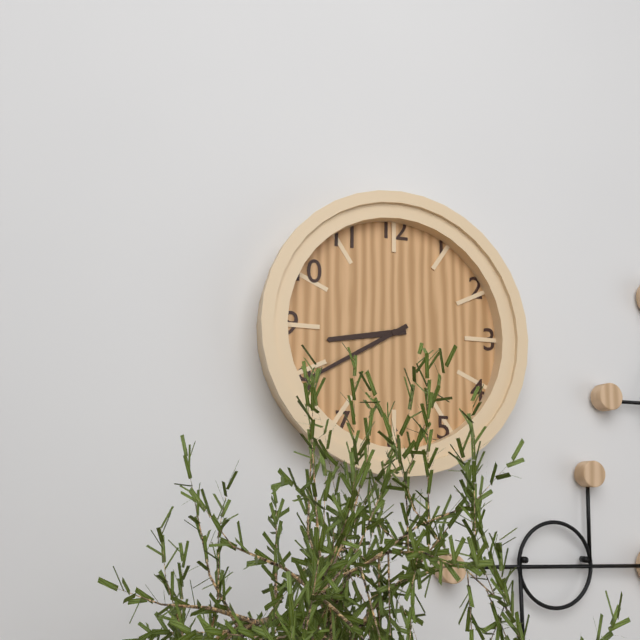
8:40
